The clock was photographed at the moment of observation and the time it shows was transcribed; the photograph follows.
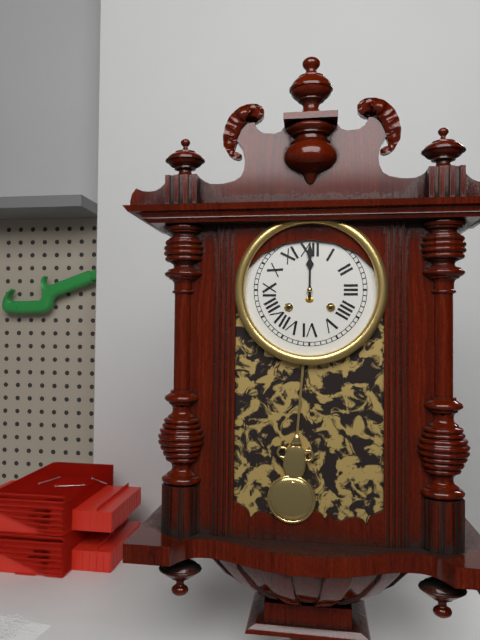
12:00
